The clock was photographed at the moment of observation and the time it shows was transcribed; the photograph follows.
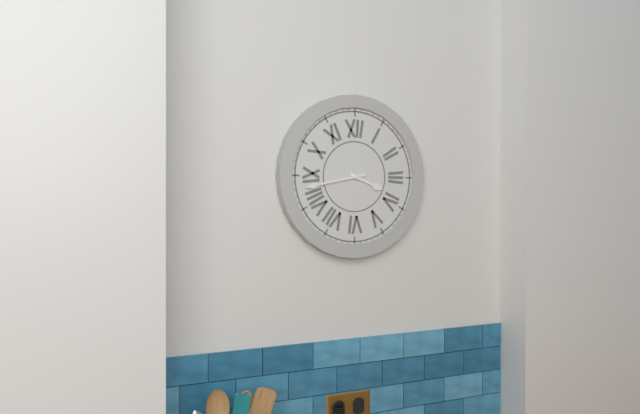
3:43
